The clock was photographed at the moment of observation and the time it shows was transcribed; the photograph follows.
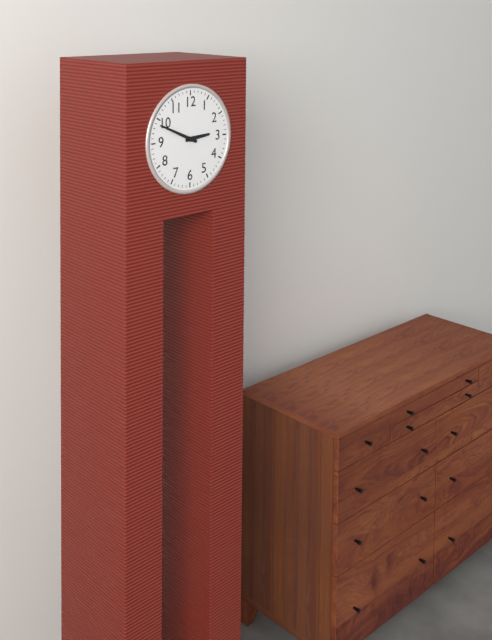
2:49
